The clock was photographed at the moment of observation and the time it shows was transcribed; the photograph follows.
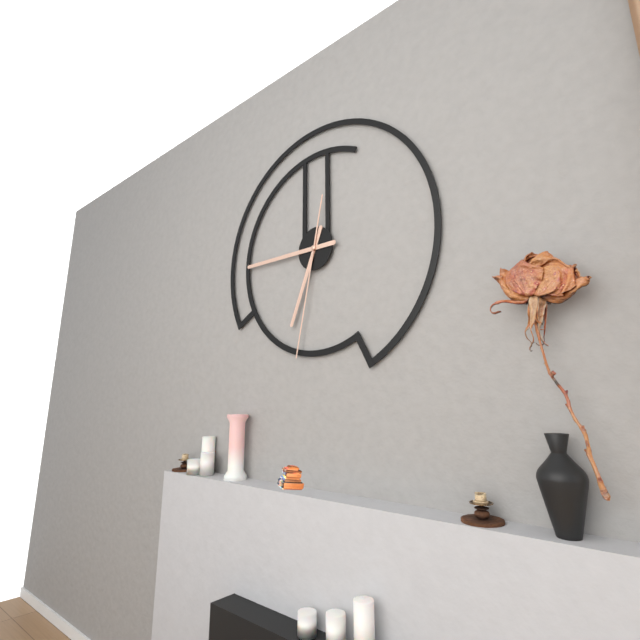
6:45:32
